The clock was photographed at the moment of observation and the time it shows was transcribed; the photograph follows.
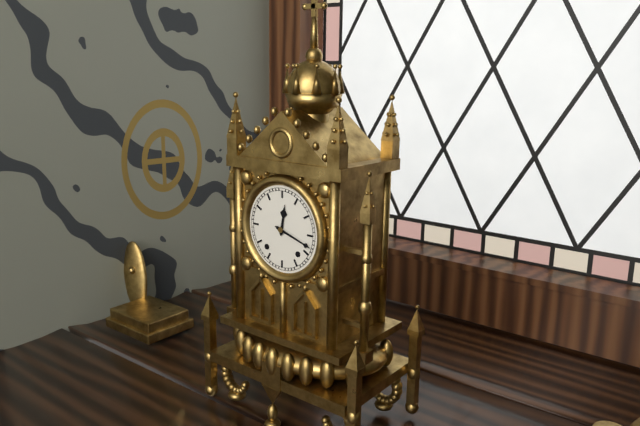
12:18
